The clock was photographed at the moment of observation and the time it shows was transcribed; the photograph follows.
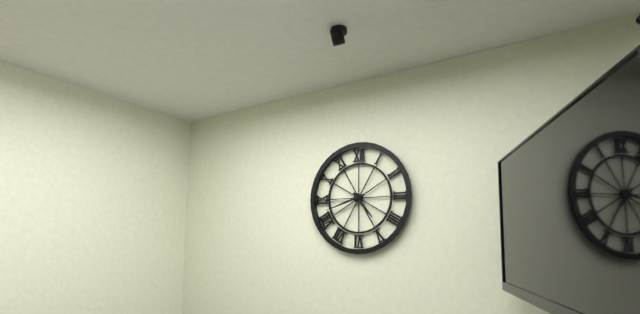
4:42
